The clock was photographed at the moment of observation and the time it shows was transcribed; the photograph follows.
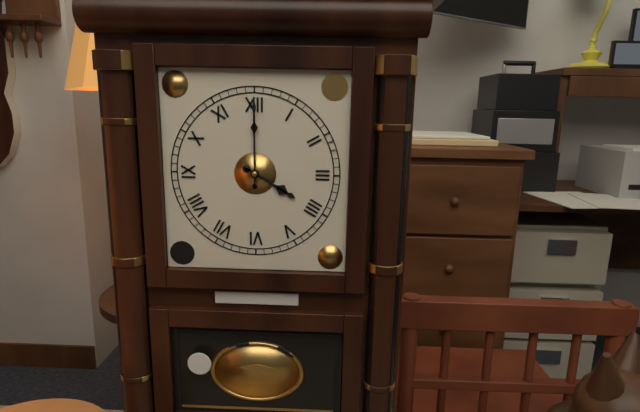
4:00
